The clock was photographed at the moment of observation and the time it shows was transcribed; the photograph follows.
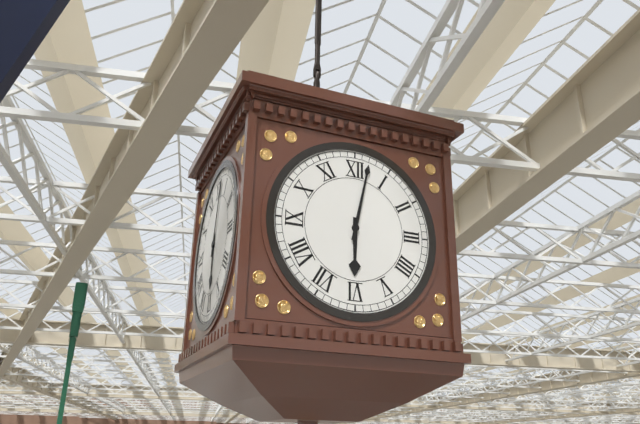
6:02
